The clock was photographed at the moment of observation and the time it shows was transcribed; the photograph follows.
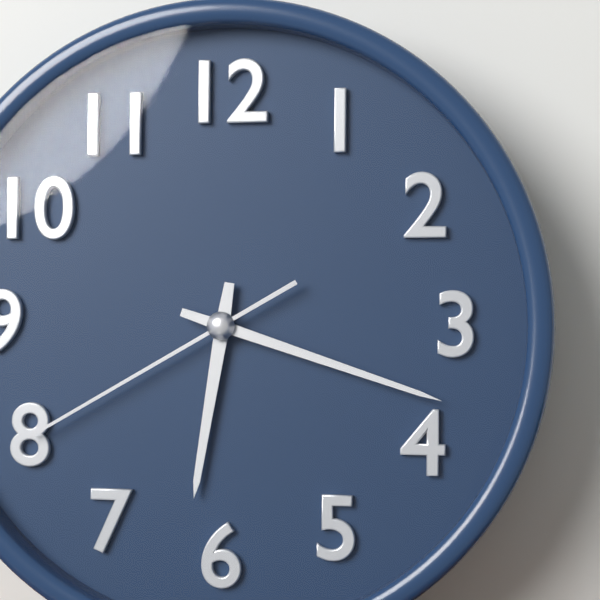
6:18:40
